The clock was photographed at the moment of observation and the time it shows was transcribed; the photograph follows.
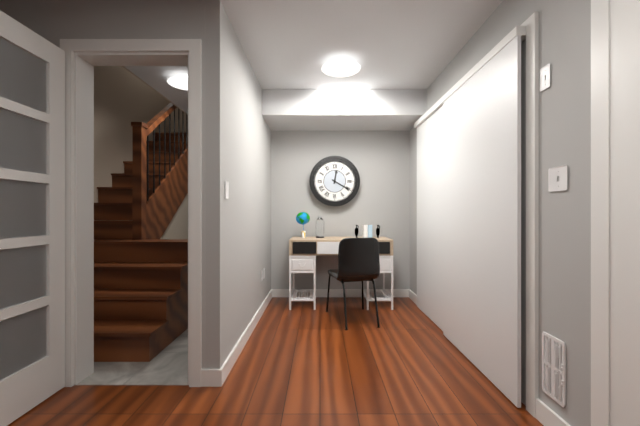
12:20
